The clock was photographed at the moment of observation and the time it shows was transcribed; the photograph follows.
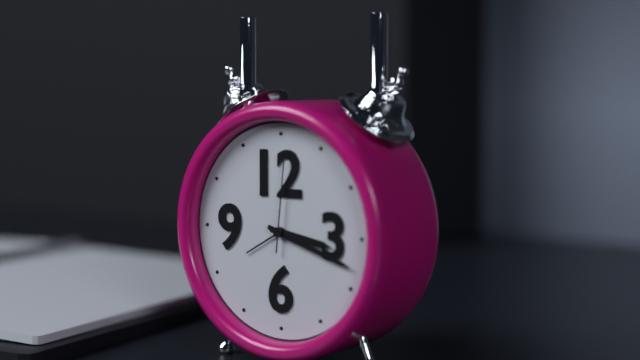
3:18:01
